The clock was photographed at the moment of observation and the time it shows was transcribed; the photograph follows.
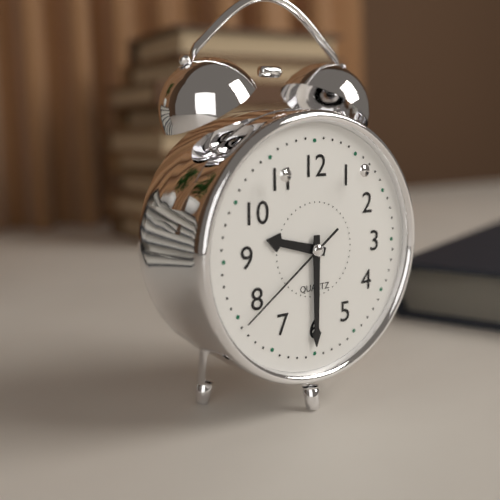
9:30:39
